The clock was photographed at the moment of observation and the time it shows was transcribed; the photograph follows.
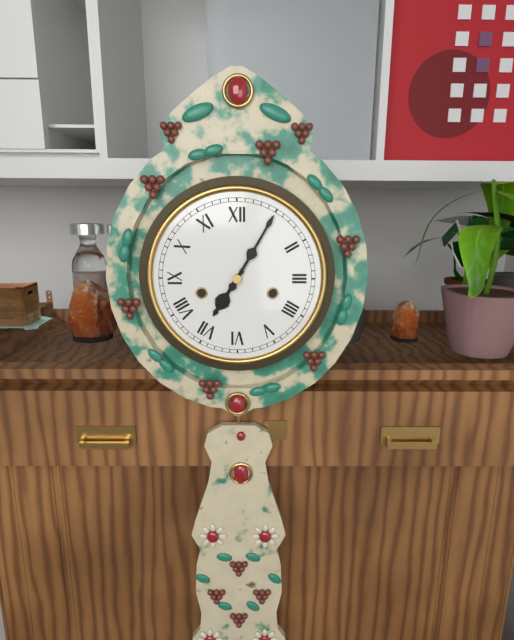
7:05
